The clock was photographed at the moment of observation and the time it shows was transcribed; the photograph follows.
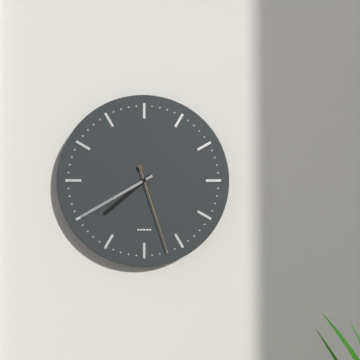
7:40:27
